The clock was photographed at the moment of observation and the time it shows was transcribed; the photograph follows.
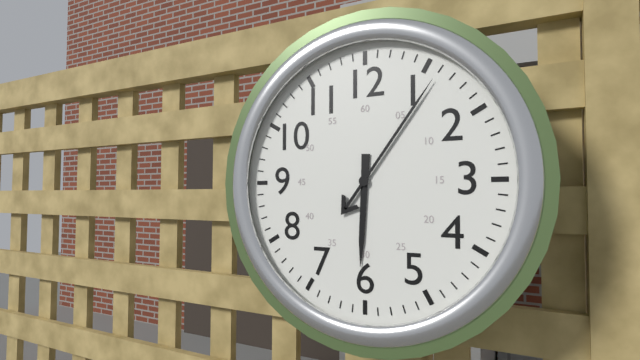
6:06
